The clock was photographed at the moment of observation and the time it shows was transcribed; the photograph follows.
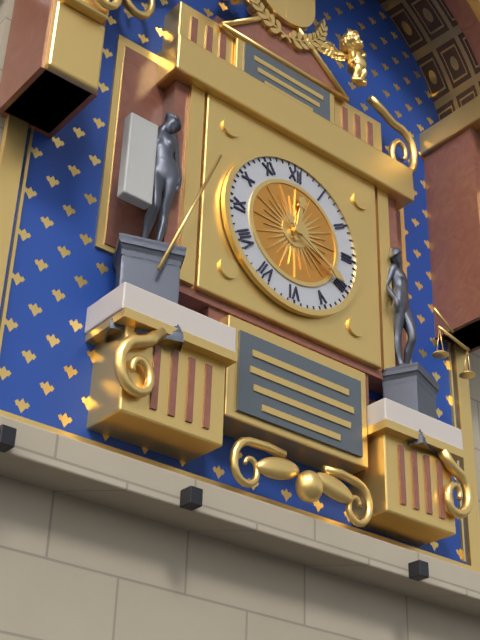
12:20
